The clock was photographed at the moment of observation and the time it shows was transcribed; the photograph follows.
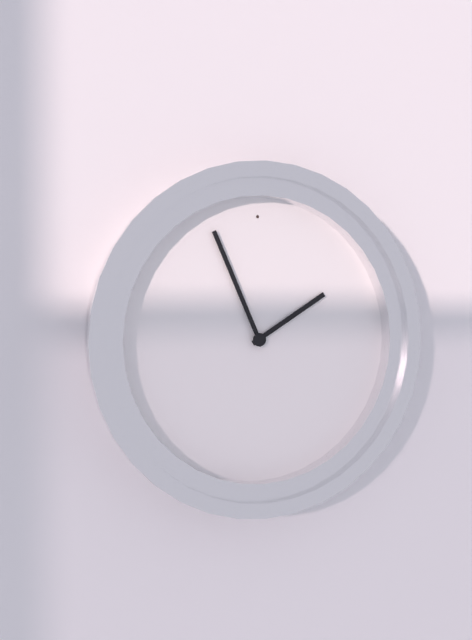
1:56
